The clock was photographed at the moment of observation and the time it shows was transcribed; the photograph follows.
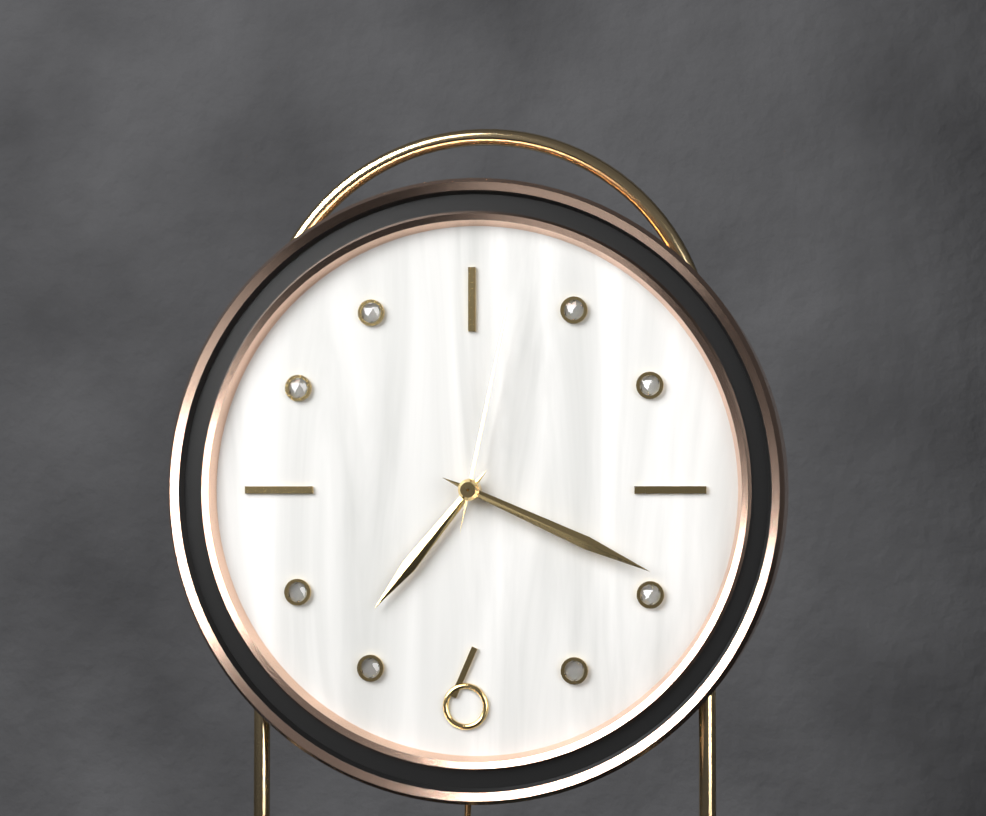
7:19:02
